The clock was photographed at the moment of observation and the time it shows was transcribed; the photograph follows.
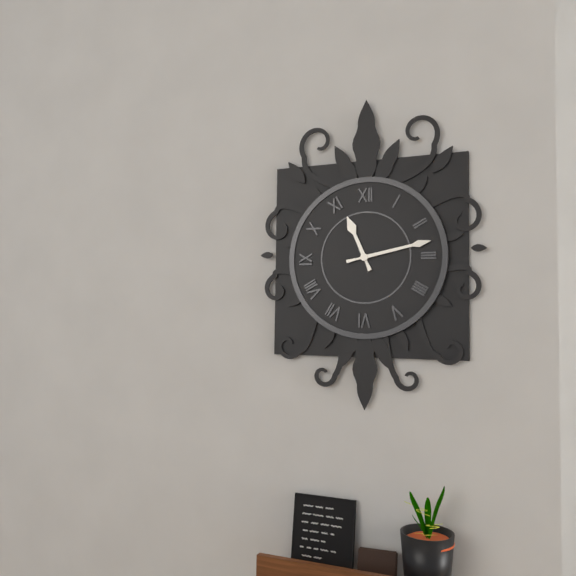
11:13
